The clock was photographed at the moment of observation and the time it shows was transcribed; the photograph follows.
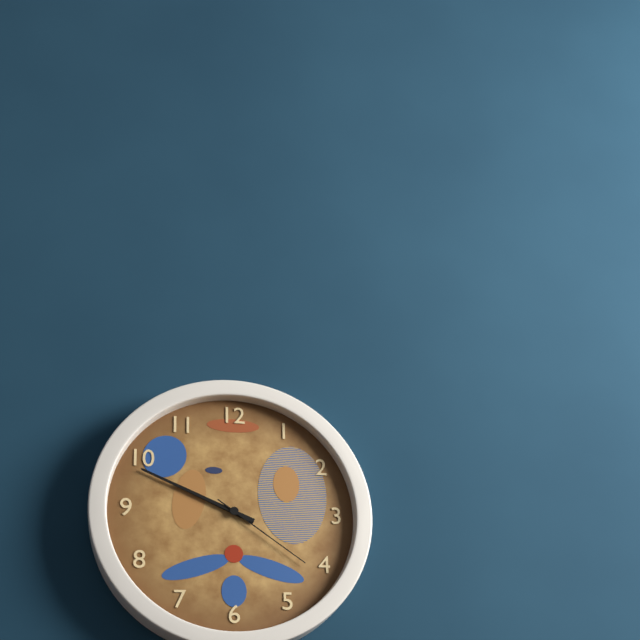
9:49:21
